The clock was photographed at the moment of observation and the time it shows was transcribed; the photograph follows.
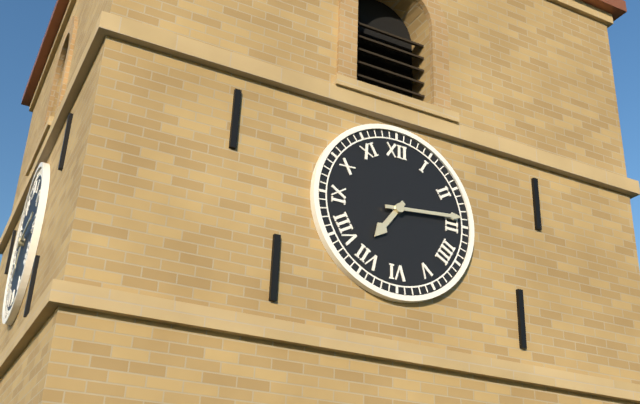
7:14
